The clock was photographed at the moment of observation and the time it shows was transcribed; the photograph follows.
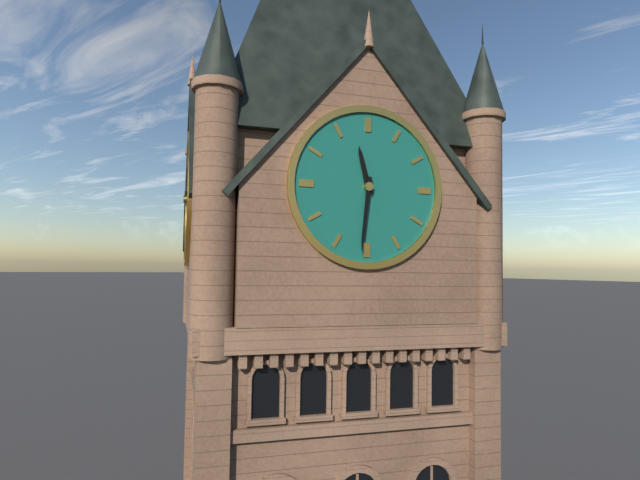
11:31
